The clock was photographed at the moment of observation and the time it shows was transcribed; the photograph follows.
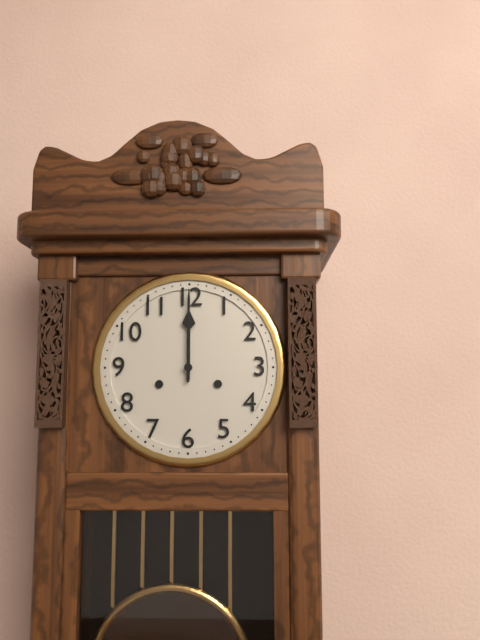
12:00
